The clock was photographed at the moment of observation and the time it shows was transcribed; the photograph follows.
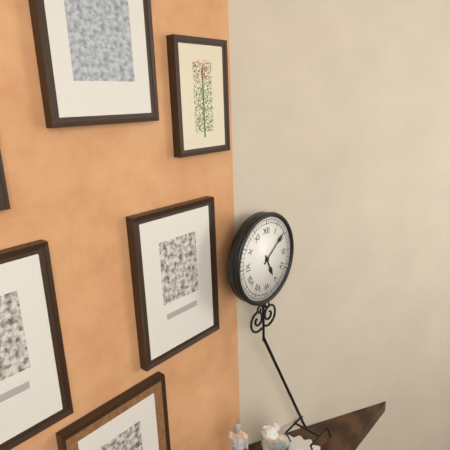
5:09
